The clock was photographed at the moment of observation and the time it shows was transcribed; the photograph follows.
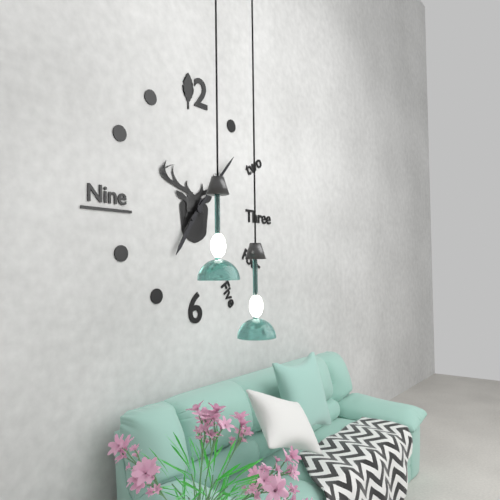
7:07
